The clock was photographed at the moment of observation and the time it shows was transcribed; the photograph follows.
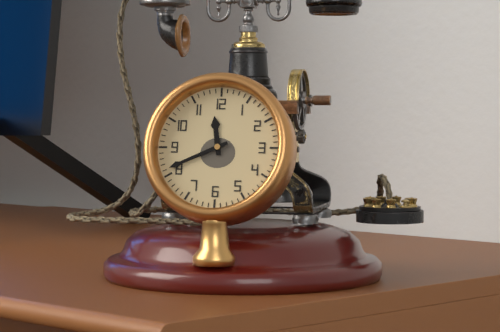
11:41
